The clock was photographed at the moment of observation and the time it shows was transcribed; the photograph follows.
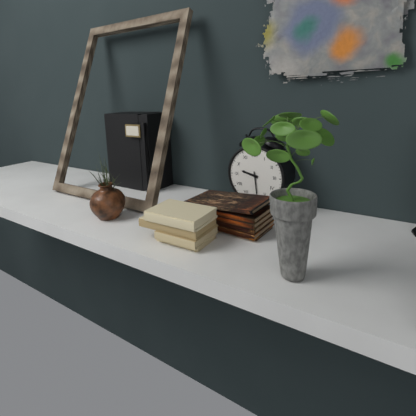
9:29
